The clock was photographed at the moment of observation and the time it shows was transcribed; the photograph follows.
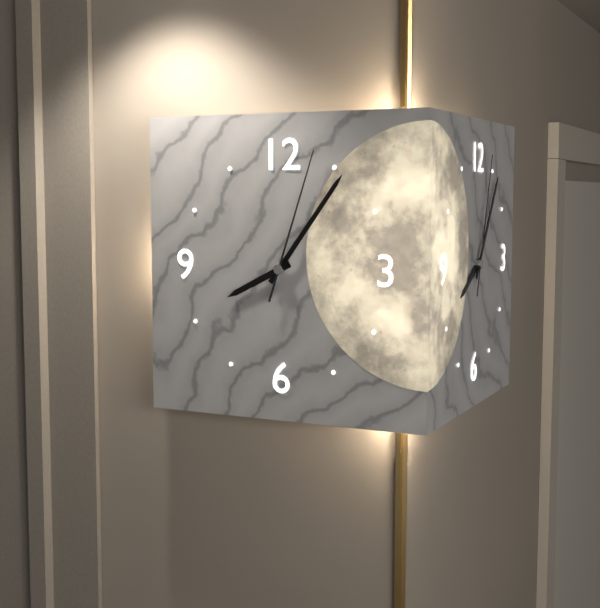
8:06:03
